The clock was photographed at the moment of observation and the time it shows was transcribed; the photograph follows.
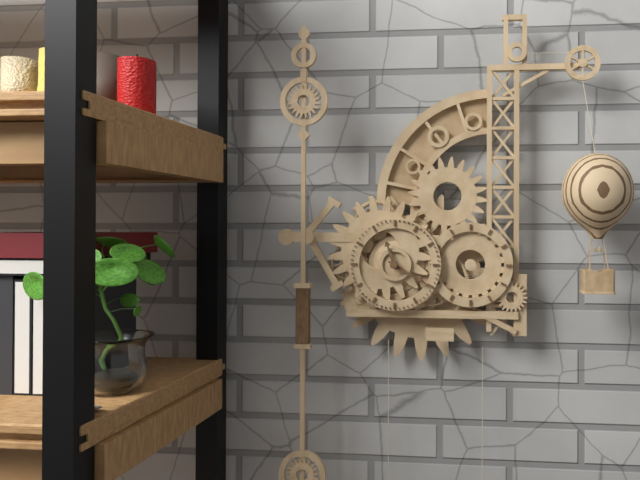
11:20
